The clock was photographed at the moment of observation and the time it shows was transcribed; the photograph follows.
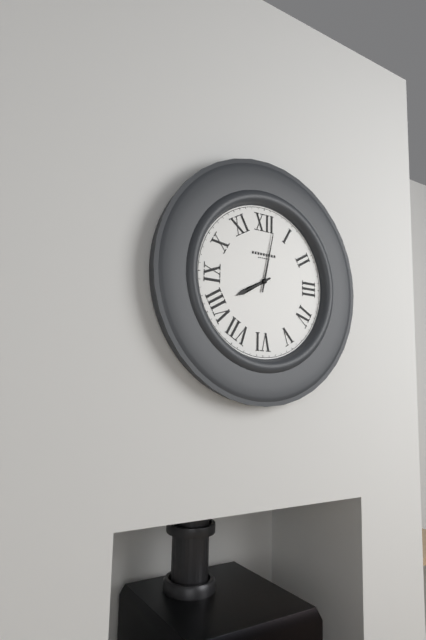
8:02
